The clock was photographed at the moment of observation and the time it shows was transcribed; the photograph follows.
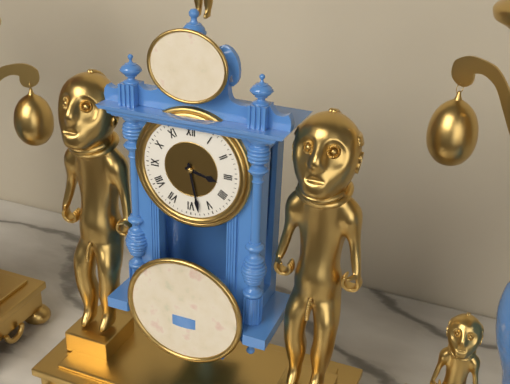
3:28
